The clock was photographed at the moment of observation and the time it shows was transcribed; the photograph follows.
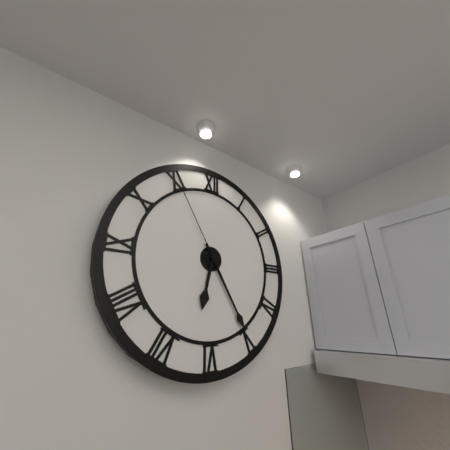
6:25:55
